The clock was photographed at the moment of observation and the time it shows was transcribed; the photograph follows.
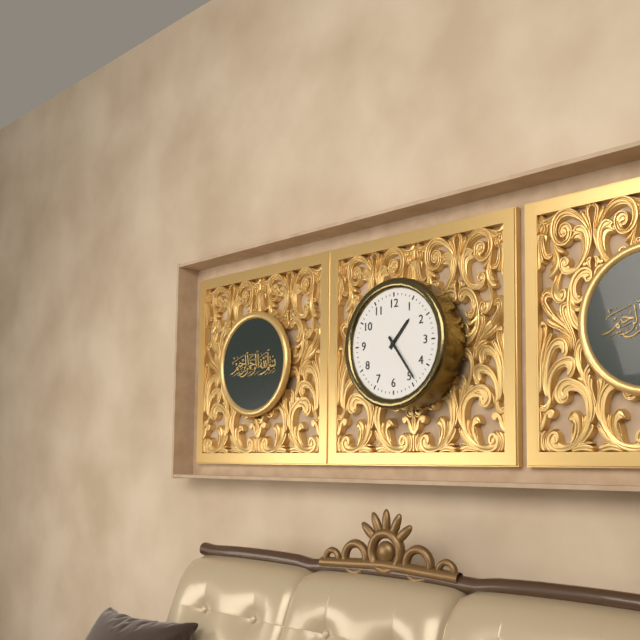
1:24
